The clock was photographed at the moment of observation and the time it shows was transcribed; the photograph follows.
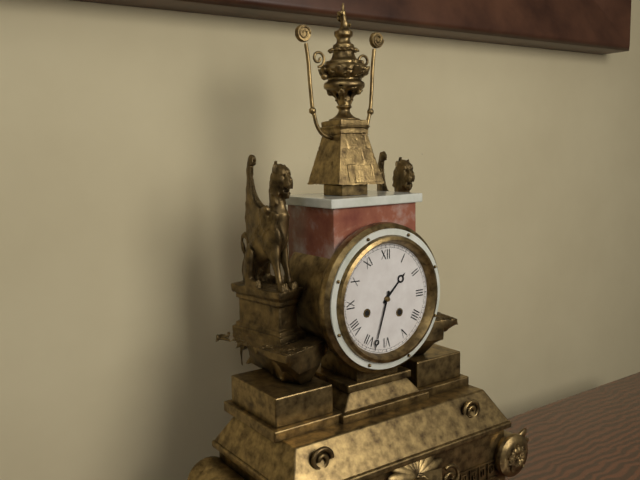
1:33
